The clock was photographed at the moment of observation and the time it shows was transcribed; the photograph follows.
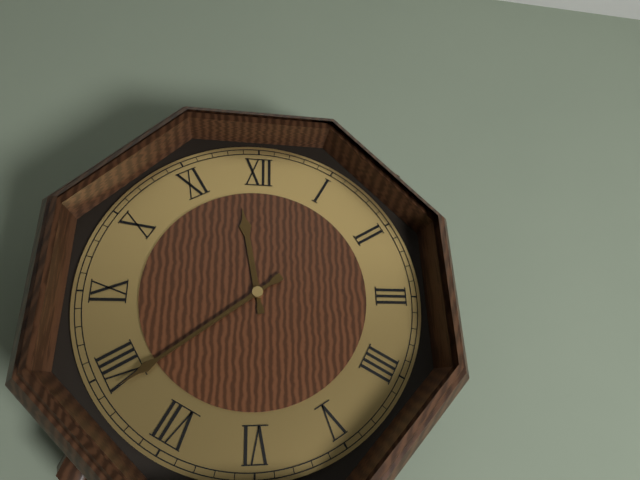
11:39
